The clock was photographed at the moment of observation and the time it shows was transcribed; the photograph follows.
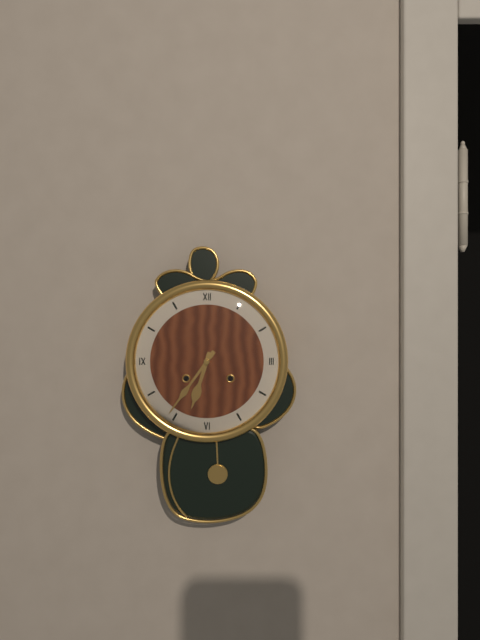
6:36
